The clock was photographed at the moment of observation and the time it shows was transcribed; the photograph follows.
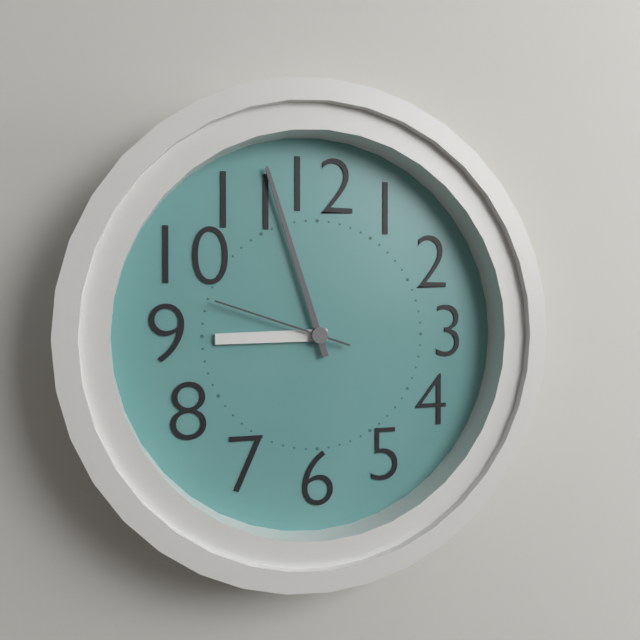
8:57:48
